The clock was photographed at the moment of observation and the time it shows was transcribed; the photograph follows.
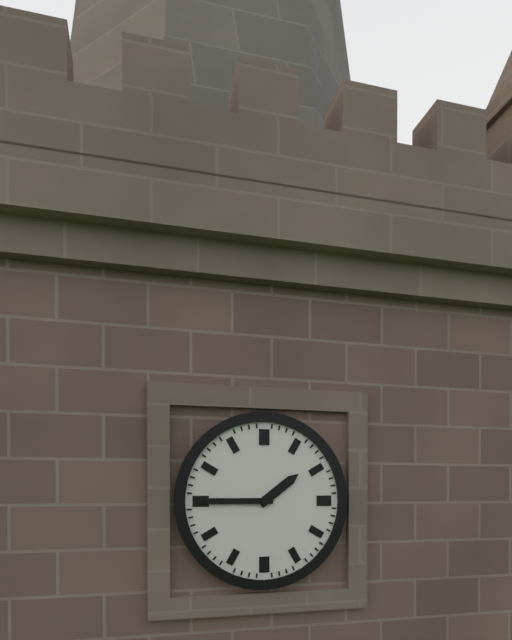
1:45
